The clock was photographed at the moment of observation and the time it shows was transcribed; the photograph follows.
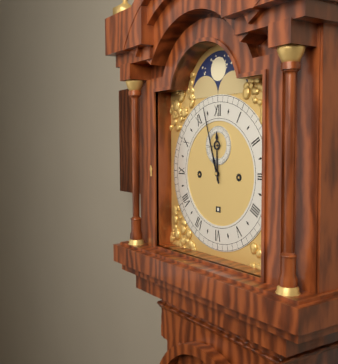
11:57
